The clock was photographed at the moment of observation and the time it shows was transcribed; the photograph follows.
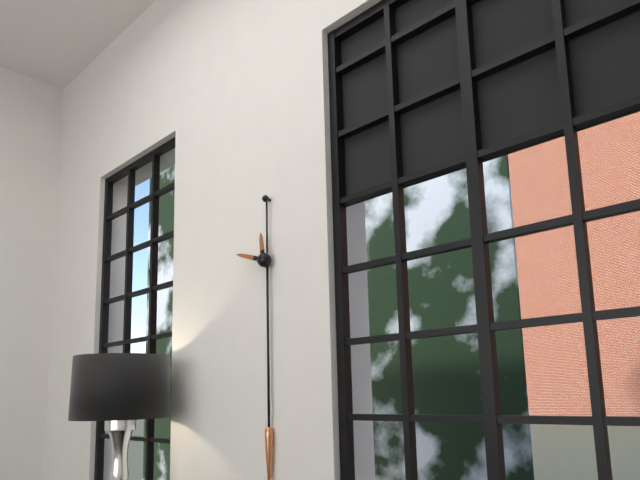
11:48
